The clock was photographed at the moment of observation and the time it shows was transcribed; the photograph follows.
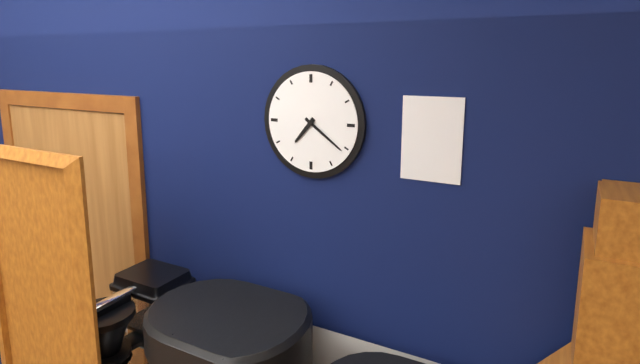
7:21
